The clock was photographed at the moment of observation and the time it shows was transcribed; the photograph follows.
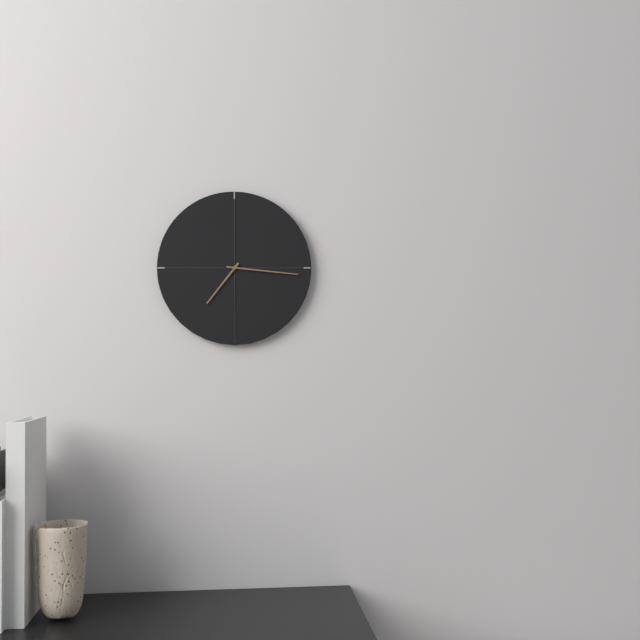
7:16
